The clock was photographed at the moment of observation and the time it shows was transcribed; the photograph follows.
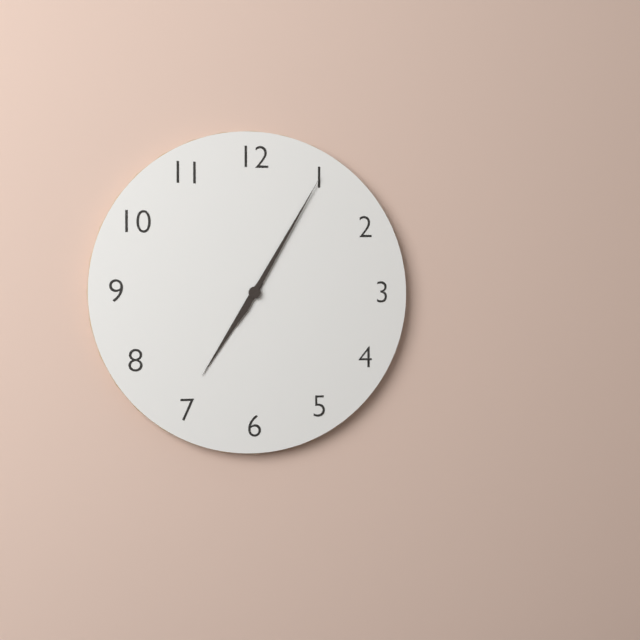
7:05
